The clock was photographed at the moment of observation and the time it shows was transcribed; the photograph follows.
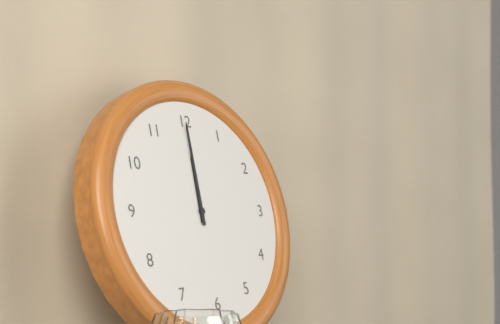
12:00
